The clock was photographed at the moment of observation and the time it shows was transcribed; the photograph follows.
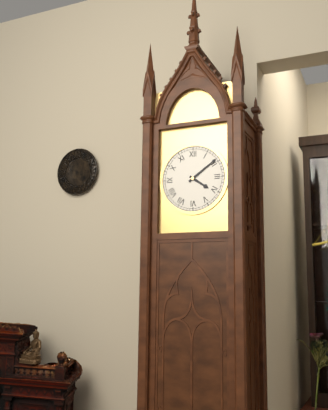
4:09
